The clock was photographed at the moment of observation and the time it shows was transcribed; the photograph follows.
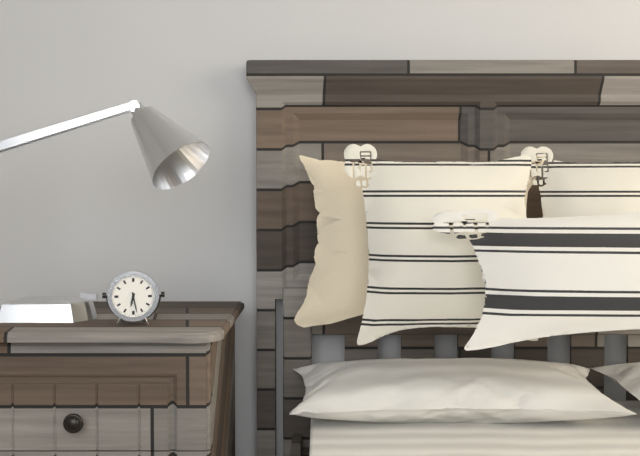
6:28
